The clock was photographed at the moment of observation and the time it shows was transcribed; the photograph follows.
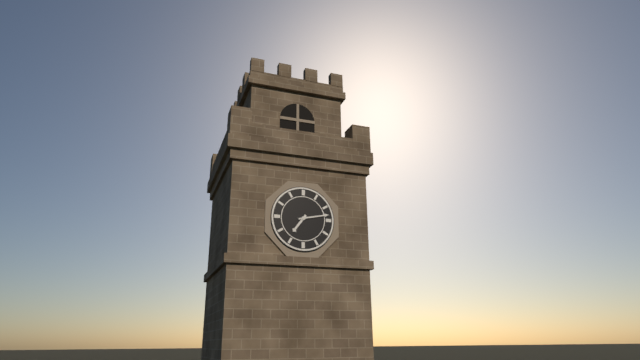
7:13
